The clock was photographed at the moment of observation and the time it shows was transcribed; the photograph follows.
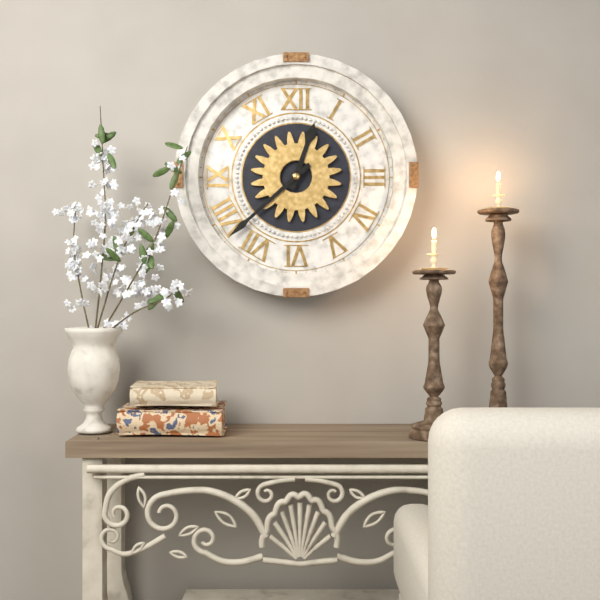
12:38
